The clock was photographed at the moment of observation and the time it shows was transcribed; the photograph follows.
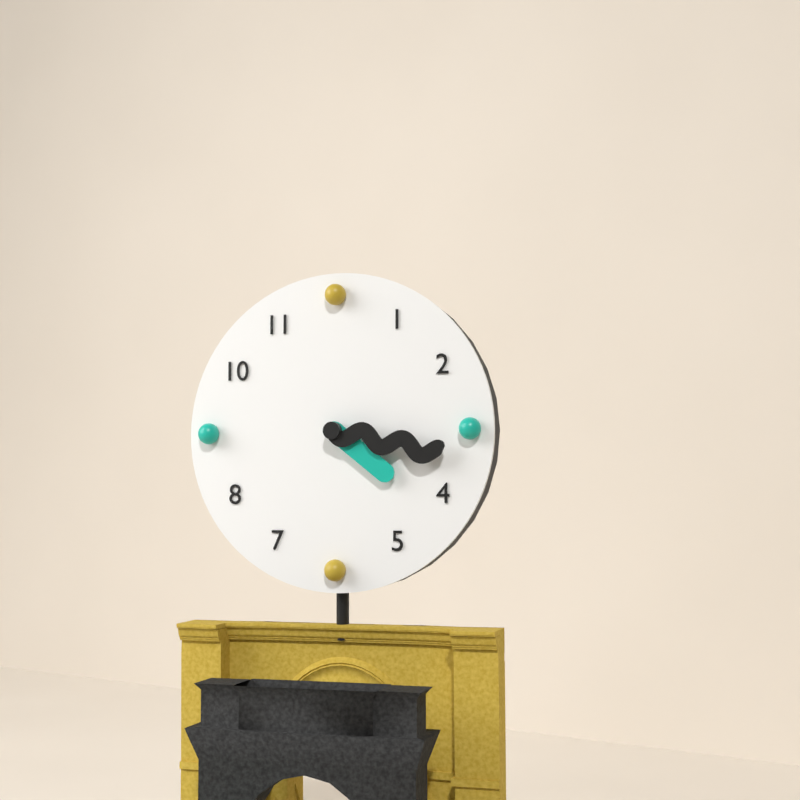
4:17
